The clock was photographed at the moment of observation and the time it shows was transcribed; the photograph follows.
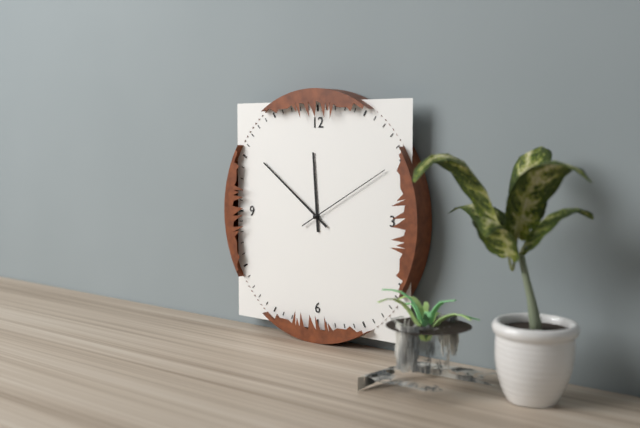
11:51:10
